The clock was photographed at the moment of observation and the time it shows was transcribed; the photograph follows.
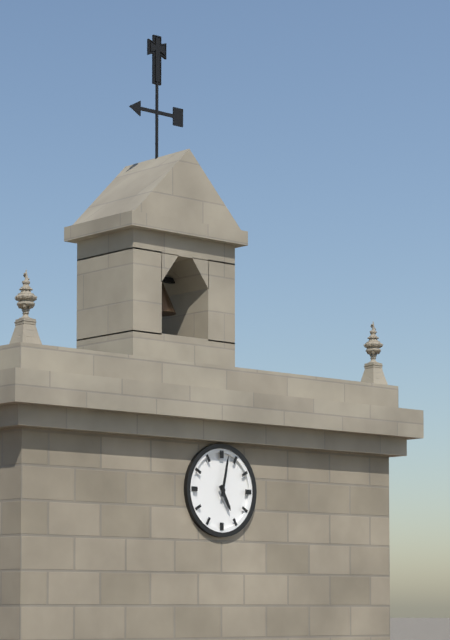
5:02
